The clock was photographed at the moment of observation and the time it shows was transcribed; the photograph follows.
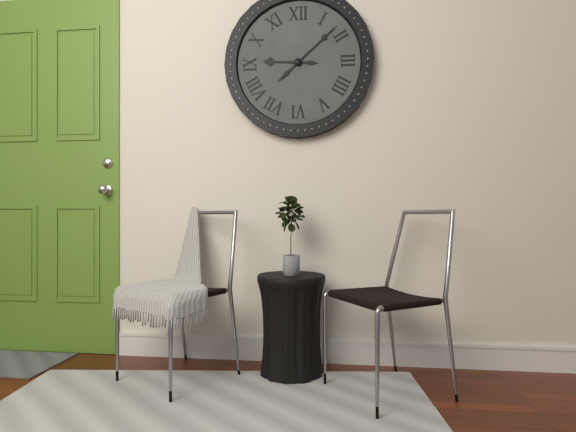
9:08
